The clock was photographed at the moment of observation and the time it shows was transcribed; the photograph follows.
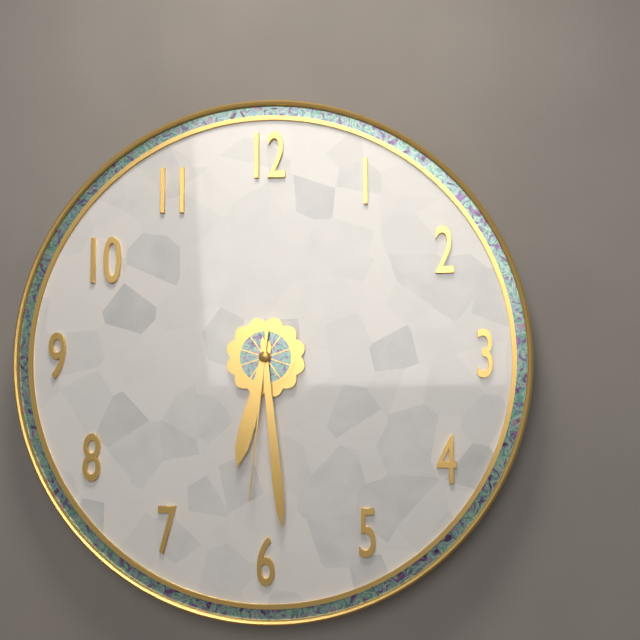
6:29:31
